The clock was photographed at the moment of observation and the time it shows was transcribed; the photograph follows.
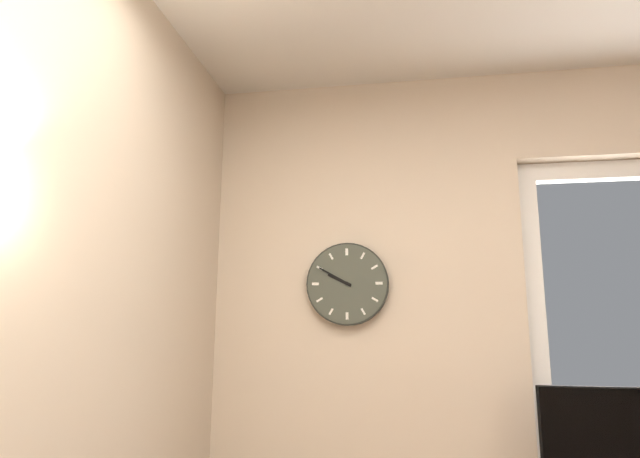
9:50
